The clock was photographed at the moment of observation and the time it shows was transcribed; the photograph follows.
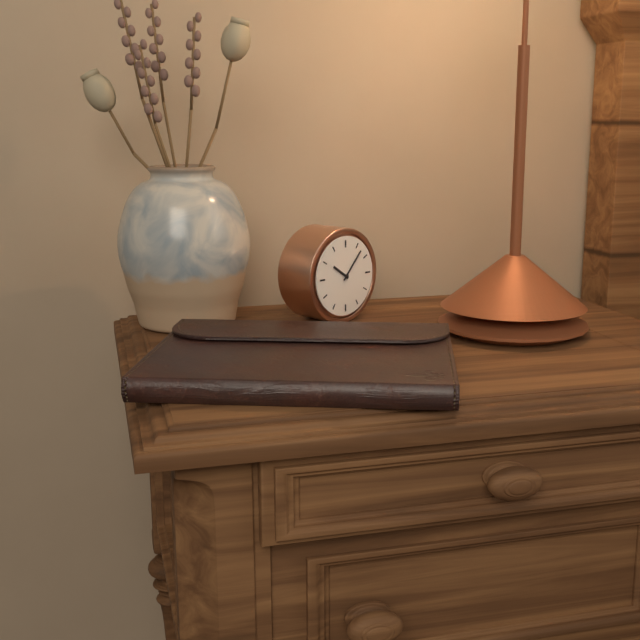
10:07
